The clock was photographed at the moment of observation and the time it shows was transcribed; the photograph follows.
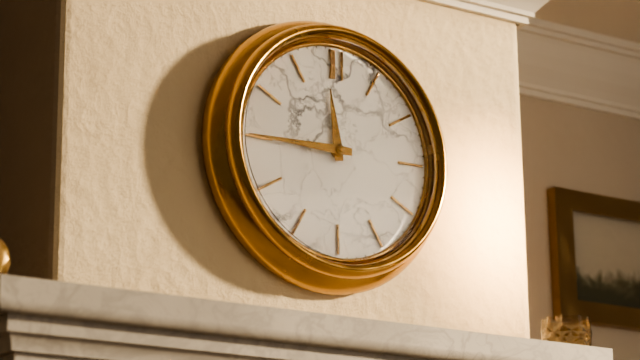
11:45
